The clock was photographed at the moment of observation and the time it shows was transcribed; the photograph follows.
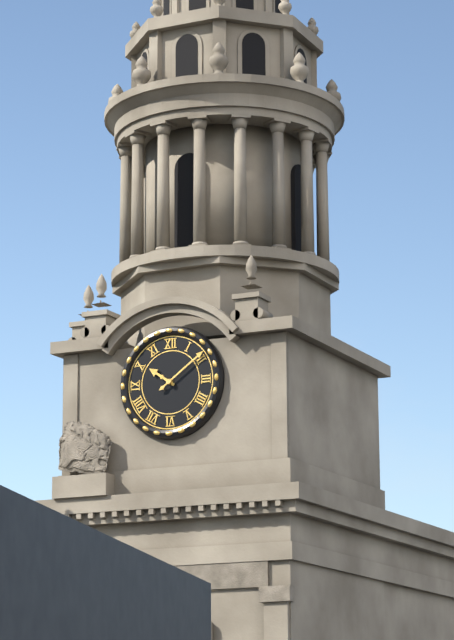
10:09
